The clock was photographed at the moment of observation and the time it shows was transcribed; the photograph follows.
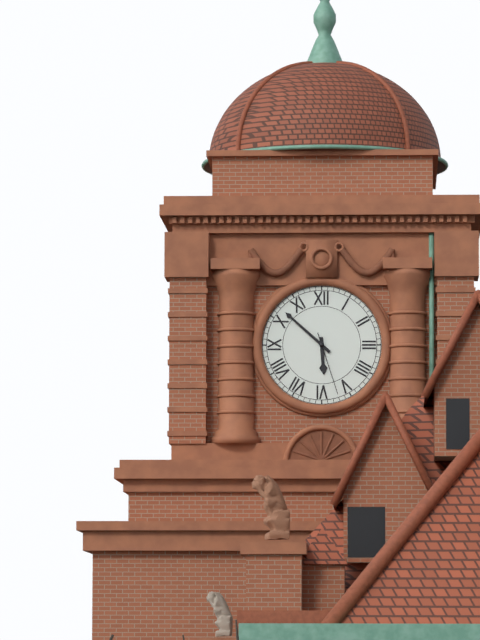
5:52:27
